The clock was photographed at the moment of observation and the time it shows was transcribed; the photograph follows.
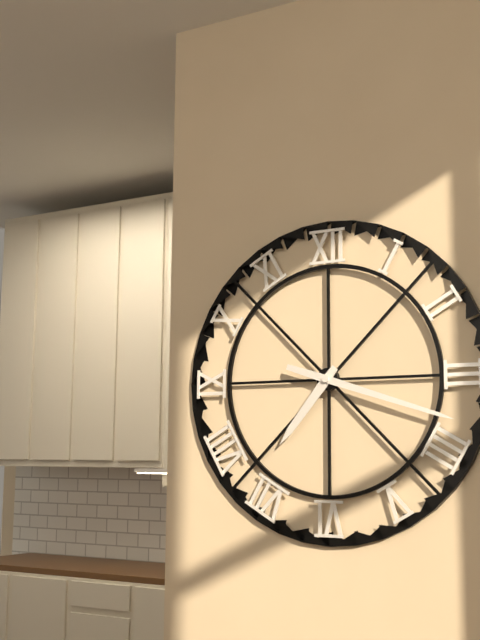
7:18
